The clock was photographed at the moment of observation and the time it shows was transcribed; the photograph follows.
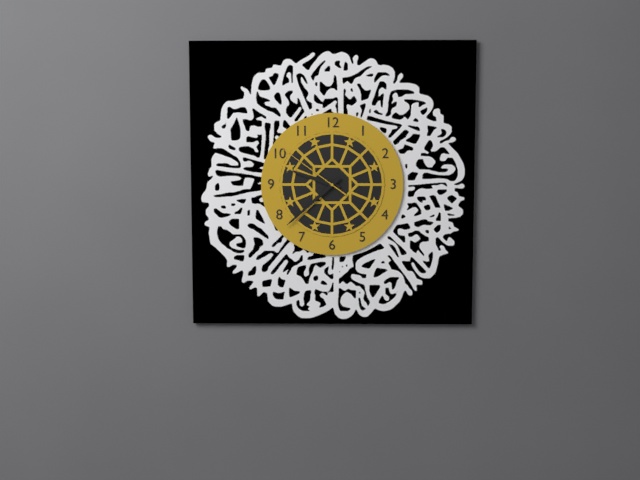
9:38:51
